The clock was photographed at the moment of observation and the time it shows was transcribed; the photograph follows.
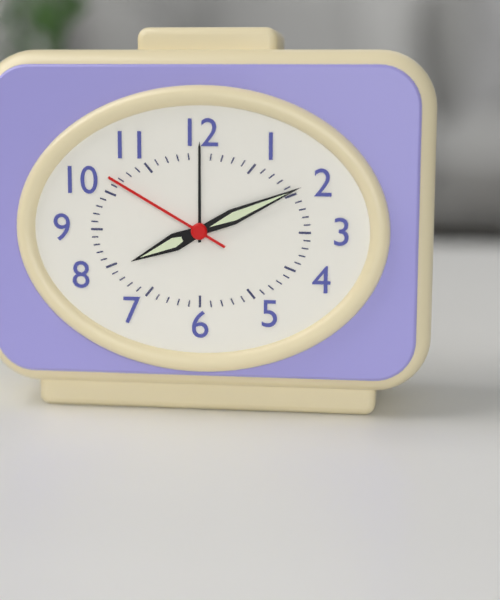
8:11:50
